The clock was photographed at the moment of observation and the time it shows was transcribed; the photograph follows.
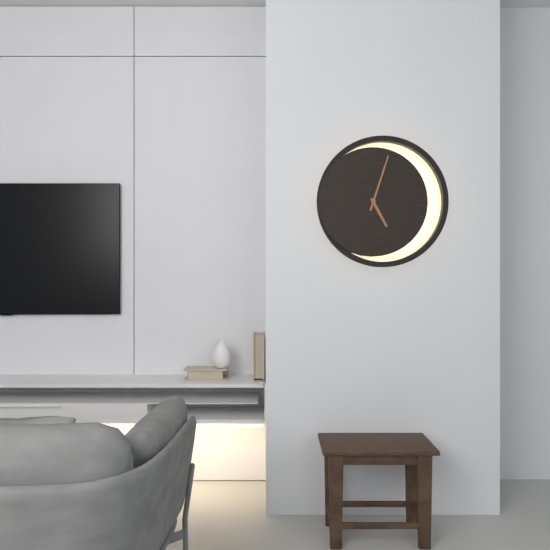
5:03
